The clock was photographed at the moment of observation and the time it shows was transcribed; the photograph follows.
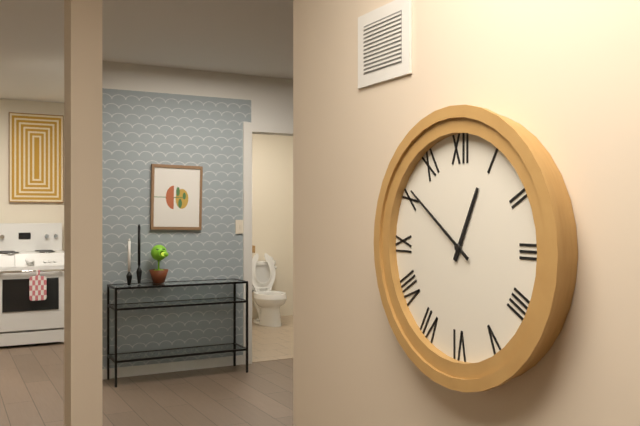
12:51
